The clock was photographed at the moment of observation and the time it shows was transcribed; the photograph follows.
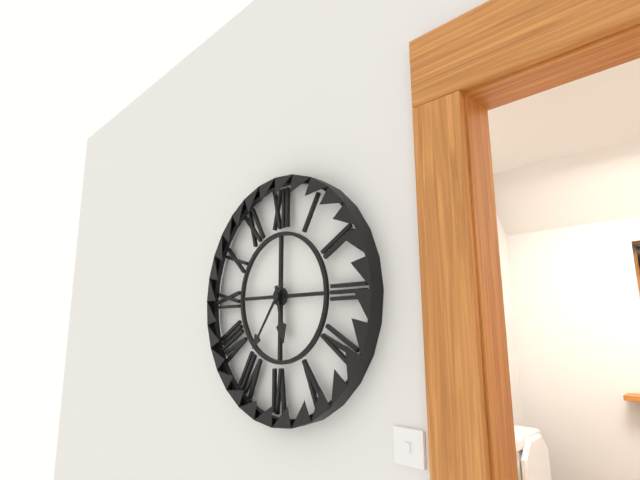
5:36
